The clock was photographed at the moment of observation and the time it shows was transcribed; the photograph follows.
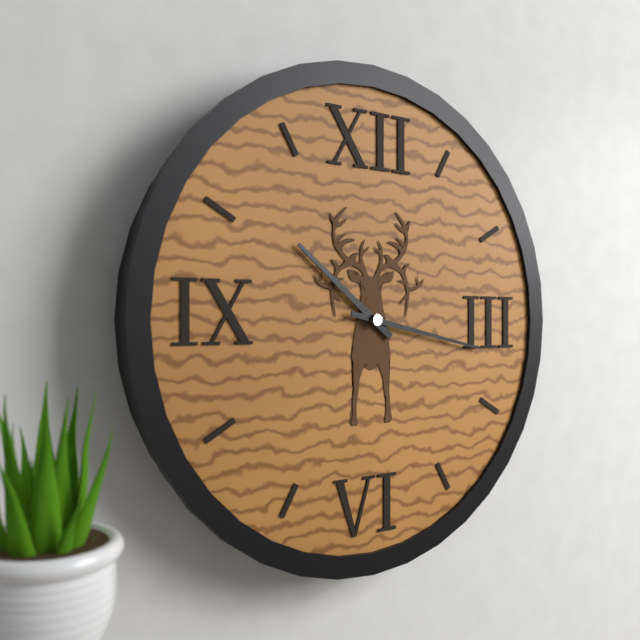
10:17
